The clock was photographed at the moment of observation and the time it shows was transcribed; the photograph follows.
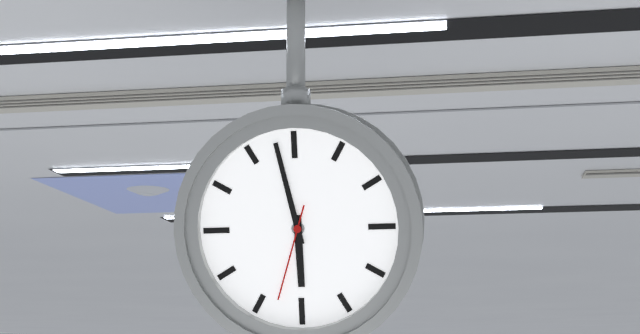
5:58:33
